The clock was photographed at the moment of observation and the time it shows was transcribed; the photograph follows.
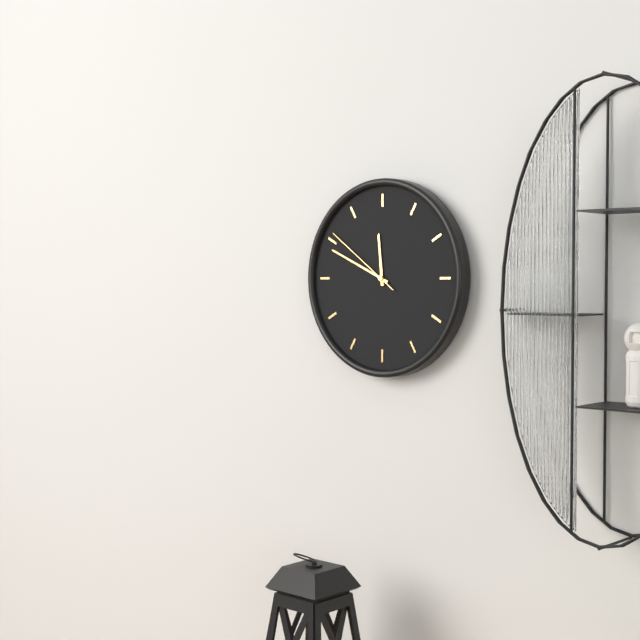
11:49:51
